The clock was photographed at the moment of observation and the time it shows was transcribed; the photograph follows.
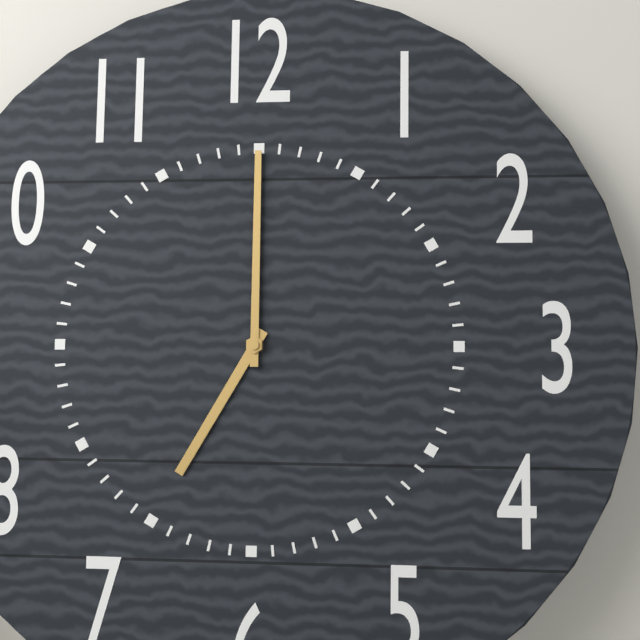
7:00
